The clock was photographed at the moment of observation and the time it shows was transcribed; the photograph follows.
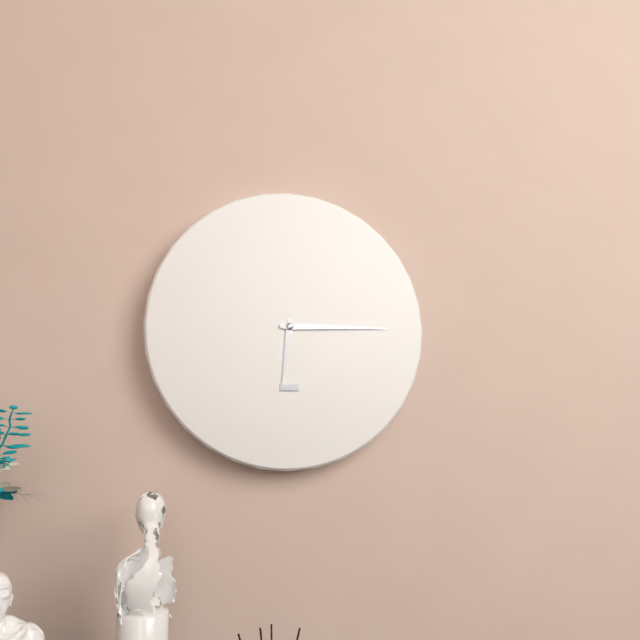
6:15
